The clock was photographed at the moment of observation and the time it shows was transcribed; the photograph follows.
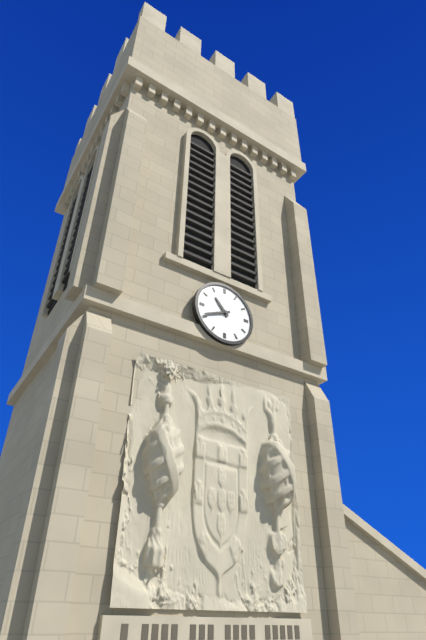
10:41
